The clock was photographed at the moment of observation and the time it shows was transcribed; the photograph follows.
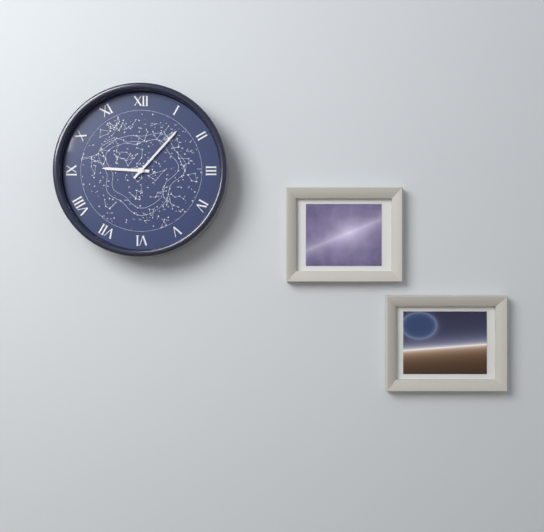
9:07
